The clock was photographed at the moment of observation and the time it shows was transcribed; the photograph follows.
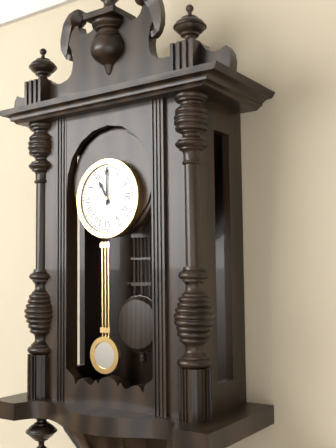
11:00
